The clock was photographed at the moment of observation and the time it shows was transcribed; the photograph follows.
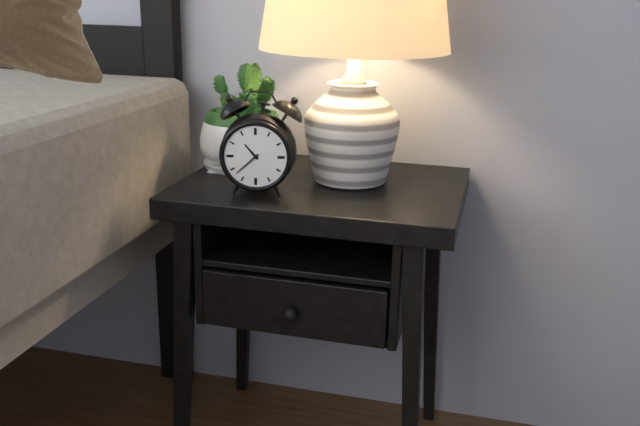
10:38
